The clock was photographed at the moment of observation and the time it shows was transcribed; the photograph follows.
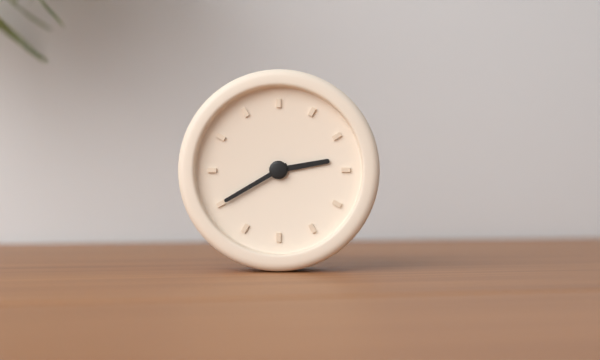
2:40
